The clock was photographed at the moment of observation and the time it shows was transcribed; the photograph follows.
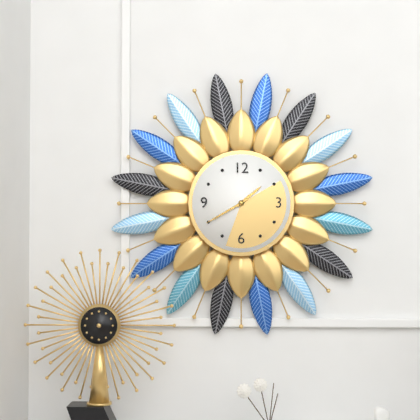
1:40
